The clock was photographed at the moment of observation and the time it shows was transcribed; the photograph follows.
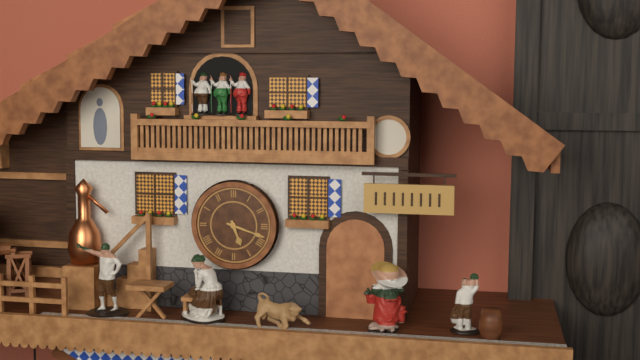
5:18
